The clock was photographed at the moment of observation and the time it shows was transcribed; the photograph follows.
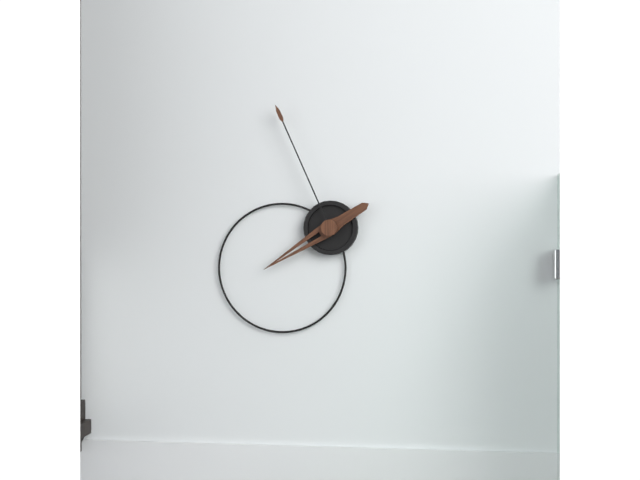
7:56
